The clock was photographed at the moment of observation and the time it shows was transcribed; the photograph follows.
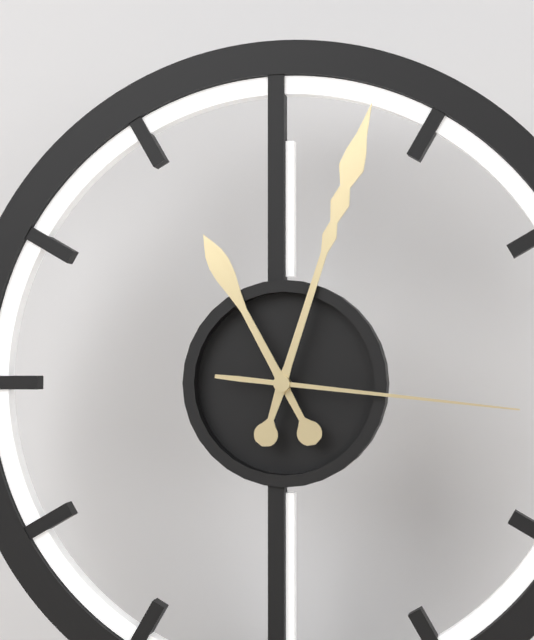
11:03:16
